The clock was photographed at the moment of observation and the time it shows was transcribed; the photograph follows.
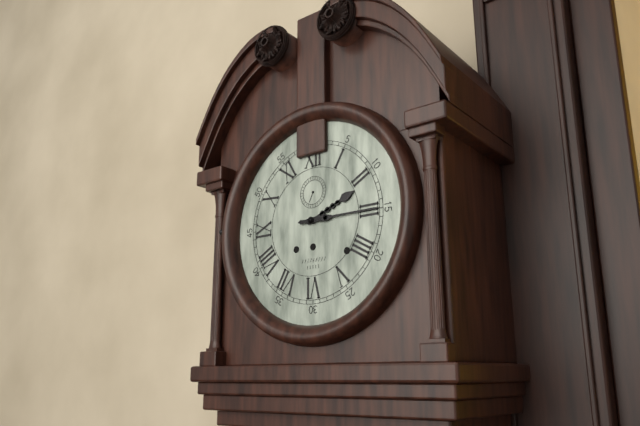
2:15
